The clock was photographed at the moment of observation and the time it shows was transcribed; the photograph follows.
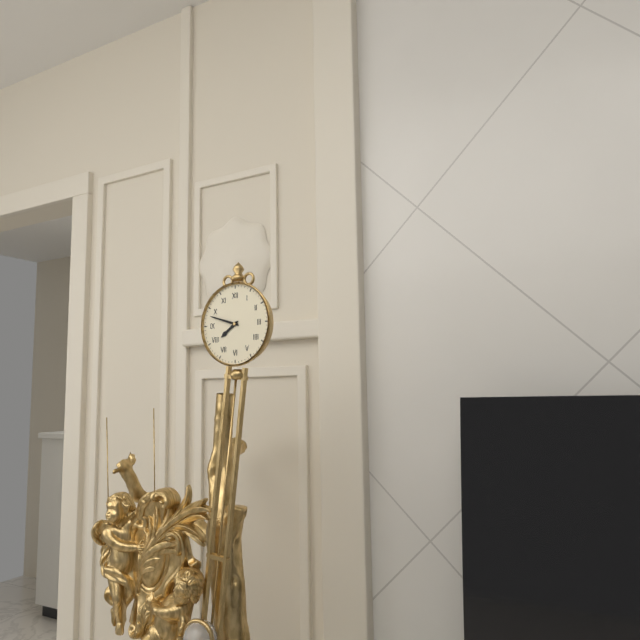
7:48
